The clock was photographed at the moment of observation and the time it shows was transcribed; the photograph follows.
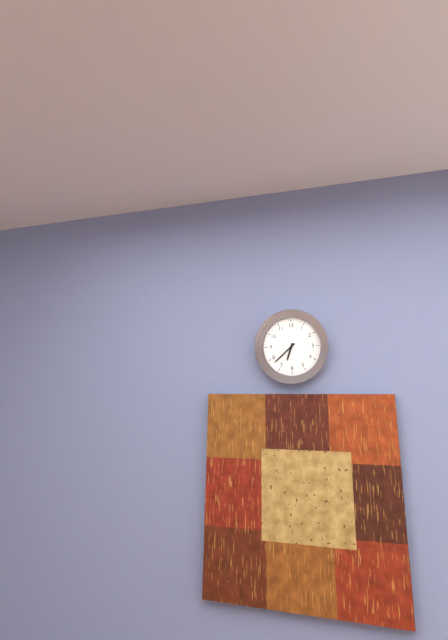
6:38
